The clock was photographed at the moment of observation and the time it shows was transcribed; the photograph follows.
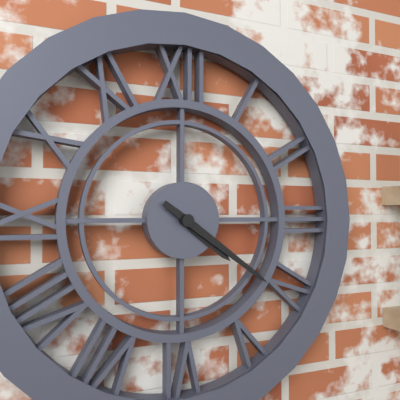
4:21
